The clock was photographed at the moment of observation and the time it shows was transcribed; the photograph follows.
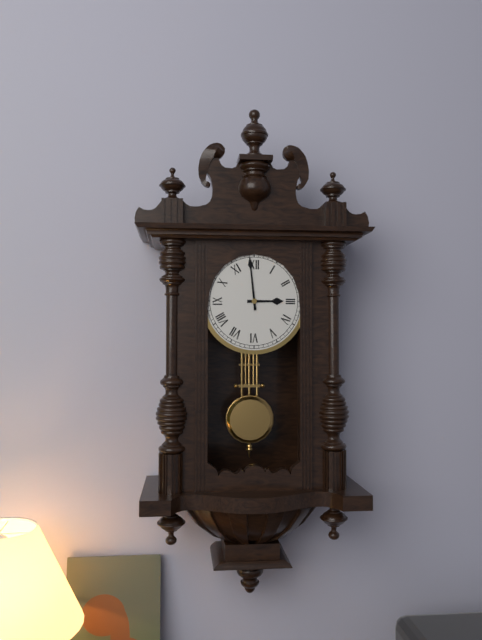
2:59
